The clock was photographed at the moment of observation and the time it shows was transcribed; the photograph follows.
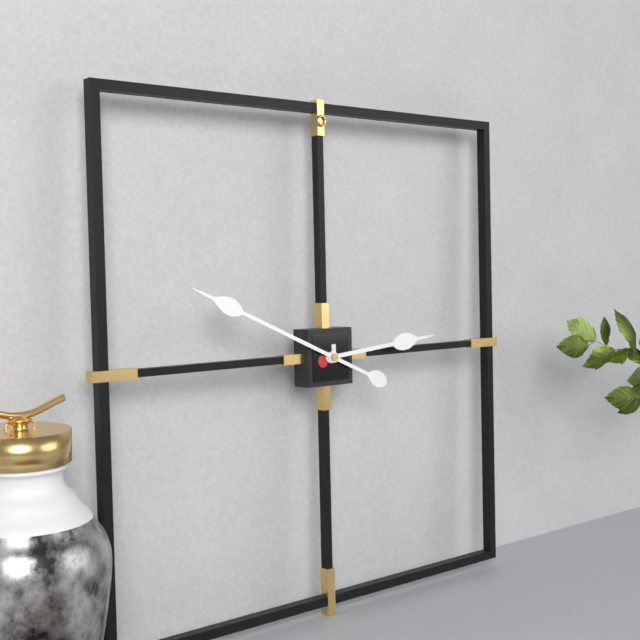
2:49
